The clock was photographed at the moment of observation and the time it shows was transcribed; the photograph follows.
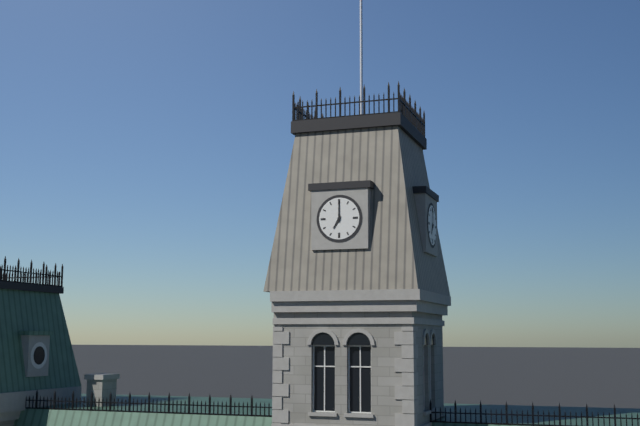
7:00
